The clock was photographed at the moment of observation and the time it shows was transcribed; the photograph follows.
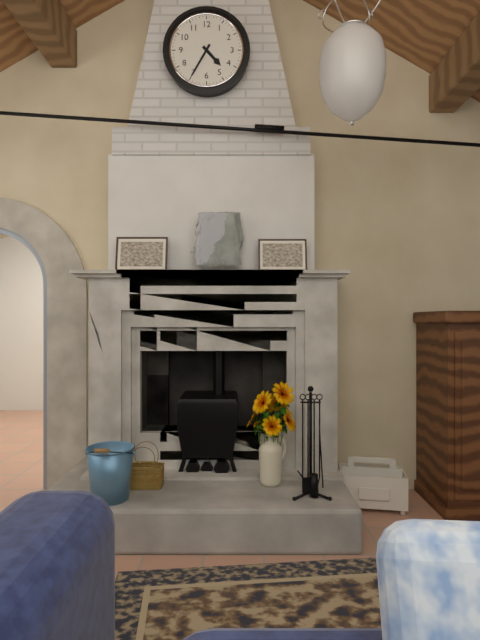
4:35
